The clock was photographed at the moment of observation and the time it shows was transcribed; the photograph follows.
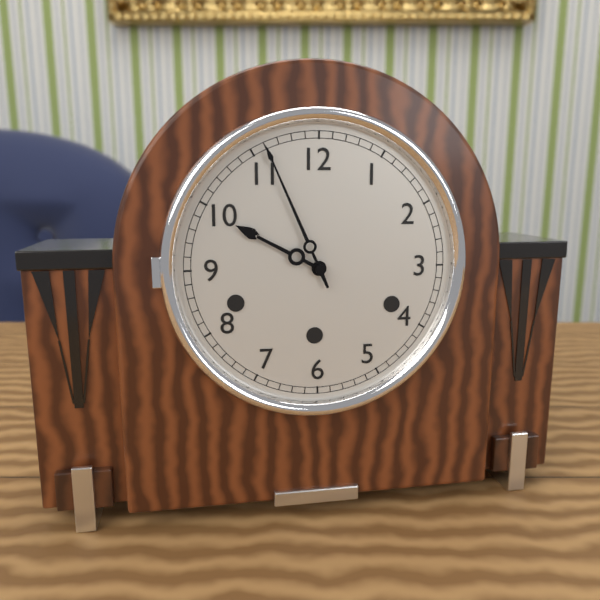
9:56
